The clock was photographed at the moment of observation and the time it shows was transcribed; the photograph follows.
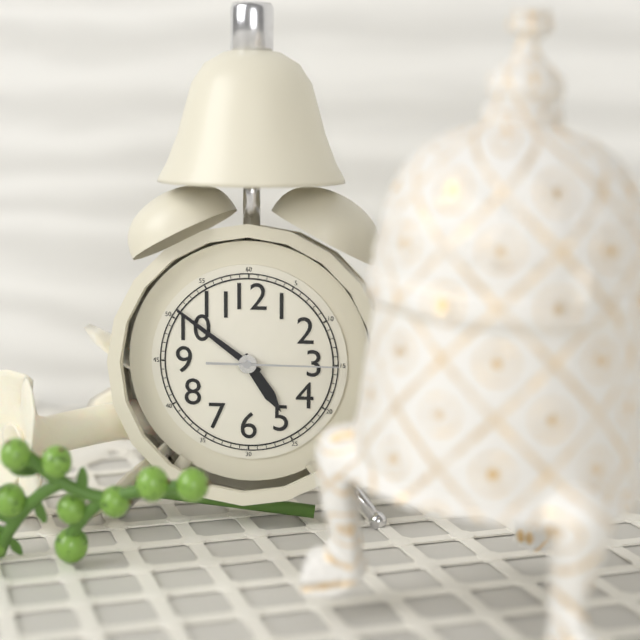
4:51:15
